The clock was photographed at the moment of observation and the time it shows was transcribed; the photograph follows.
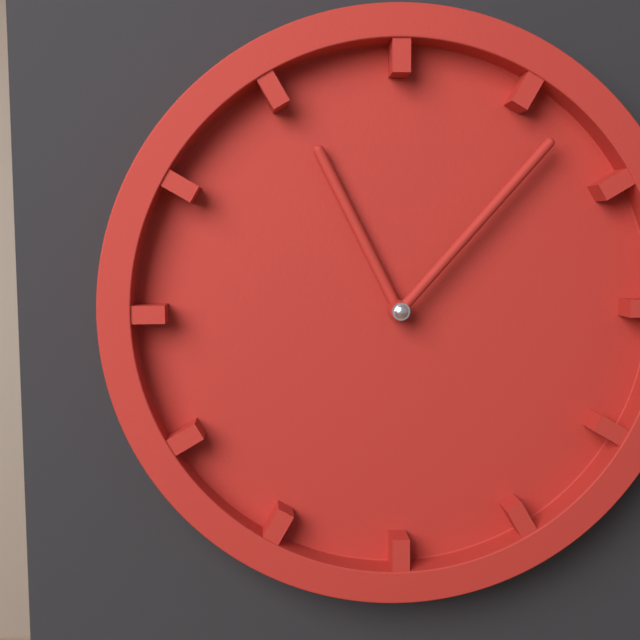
11:07
